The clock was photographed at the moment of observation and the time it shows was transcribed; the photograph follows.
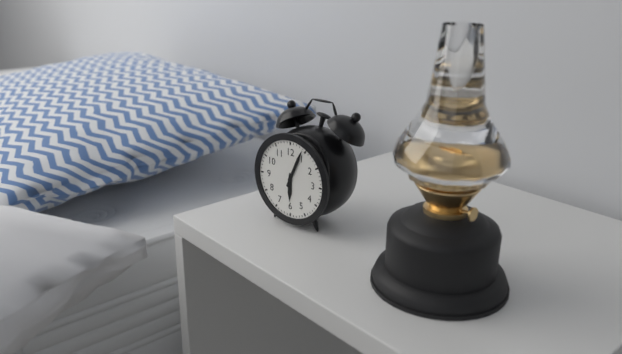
6:04
